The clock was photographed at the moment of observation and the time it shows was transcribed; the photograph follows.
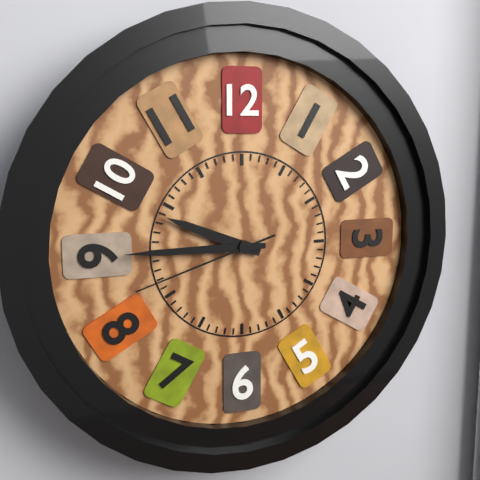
9:45:42
